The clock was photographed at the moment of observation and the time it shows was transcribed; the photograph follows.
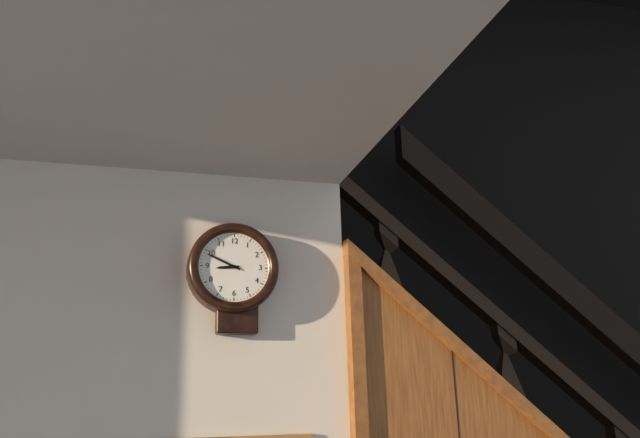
8:49
